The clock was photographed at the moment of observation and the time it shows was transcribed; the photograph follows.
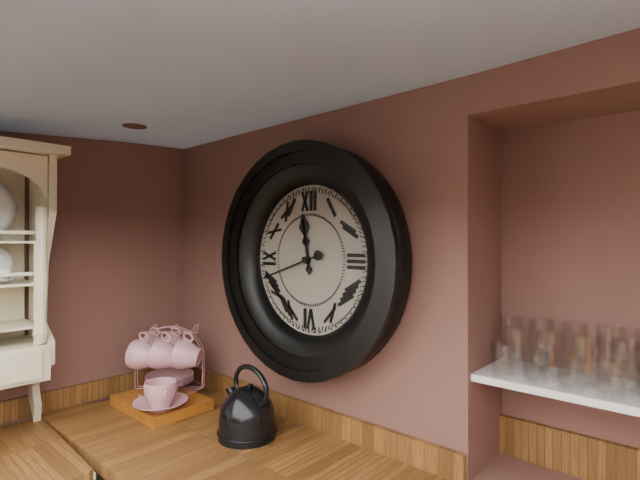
11:42
